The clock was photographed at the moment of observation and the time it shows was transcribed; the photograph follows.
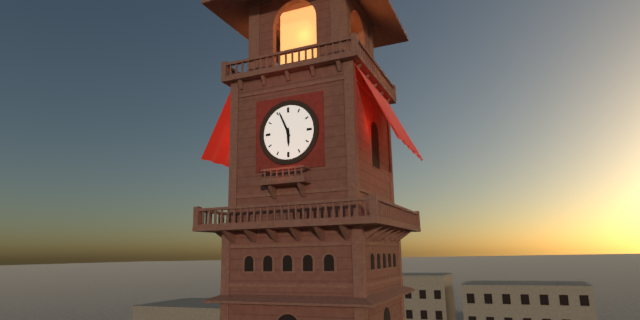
5:56
